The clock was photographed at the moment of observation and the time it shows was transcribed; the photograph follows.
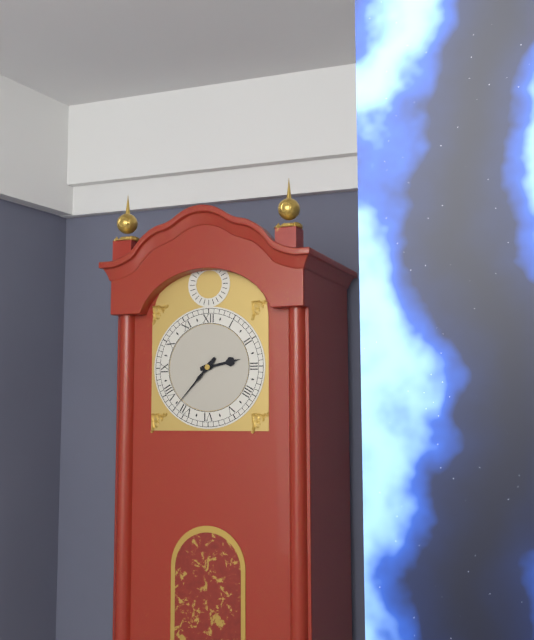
2:37
